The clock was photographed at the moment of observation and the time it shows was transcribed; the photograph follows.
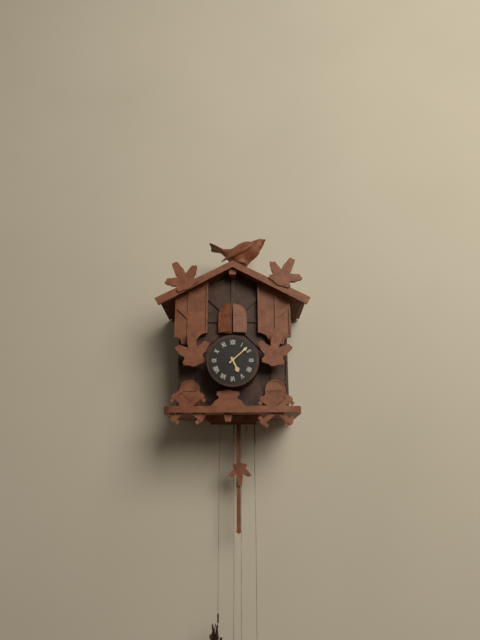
5:08
